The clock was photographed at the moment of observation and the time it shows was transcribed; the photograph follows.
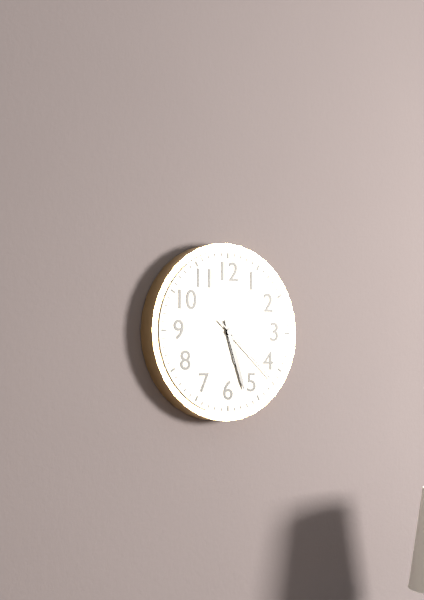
5:27:22
